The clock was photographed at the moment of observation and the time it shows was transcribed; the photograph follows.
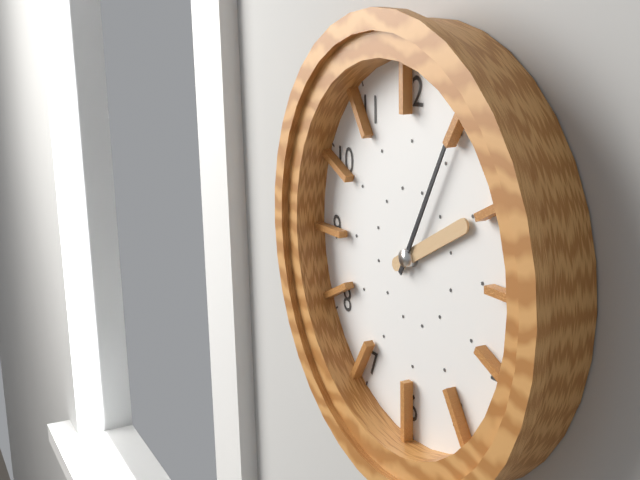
2:05
